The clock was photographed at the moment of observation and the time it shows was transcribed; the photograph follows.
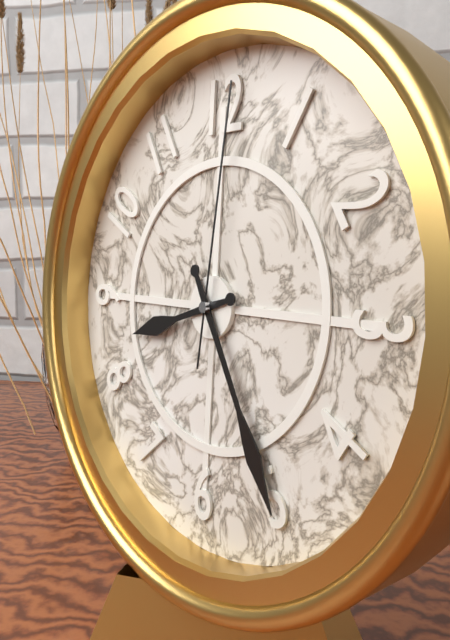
8:25:01
